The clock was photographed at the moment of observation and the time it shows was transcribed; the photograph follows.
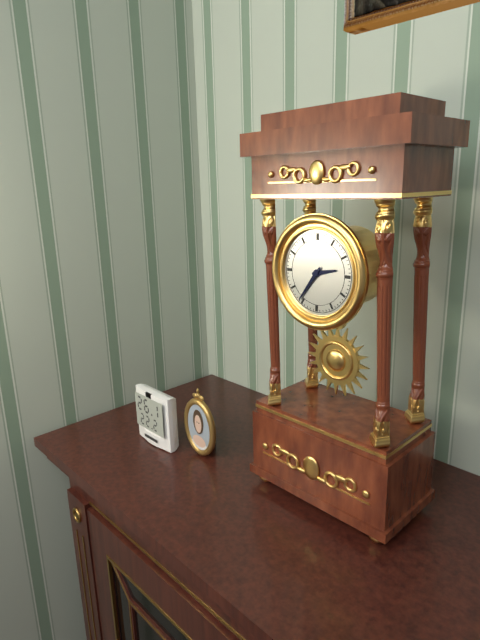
2:36
